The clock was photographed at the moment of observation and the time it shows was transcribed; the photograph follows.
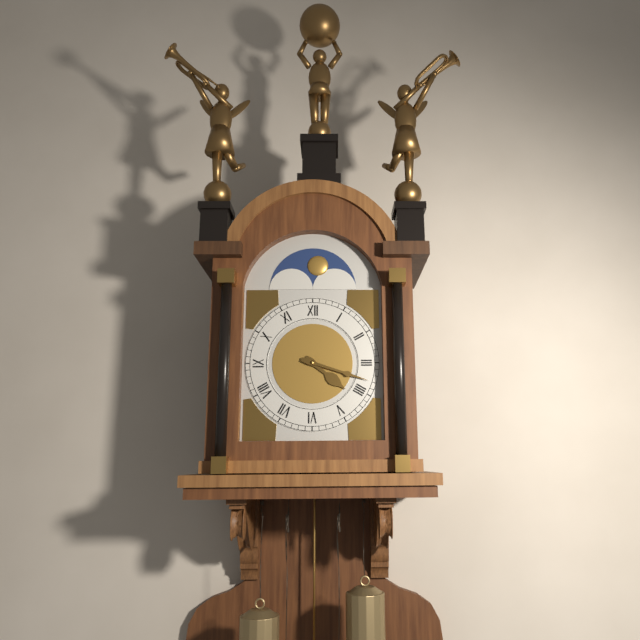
4:18
